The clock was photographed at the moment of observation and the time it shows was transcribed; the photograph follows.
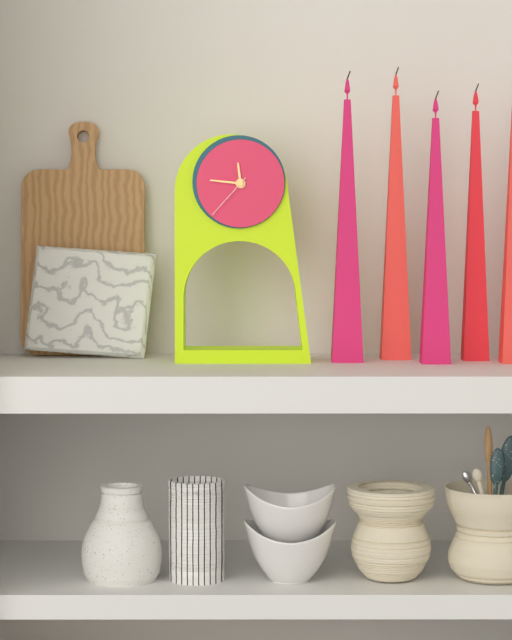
11:46:37
